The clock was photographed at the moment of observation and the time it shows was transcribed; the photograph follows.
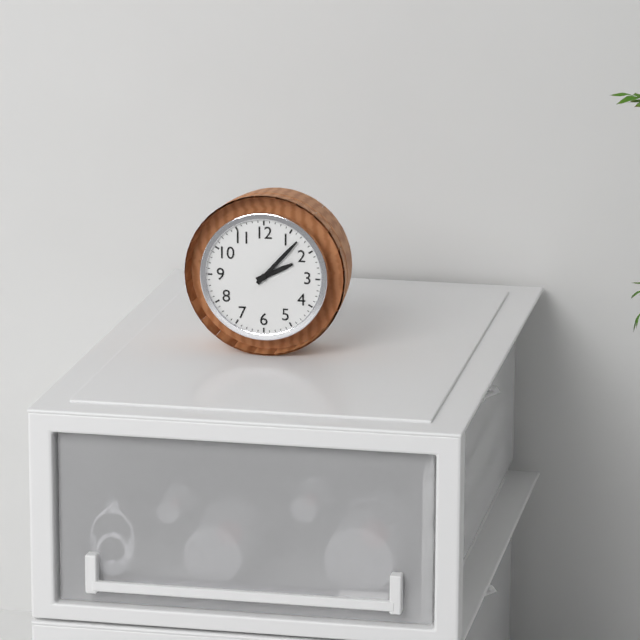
2:07
